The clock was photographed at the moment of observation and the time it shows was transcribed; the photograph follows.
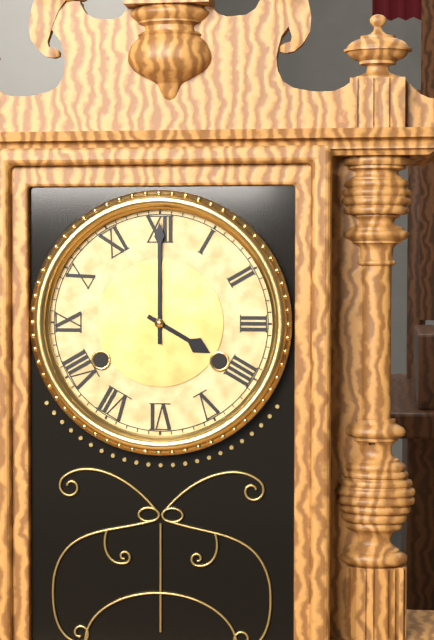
4:00
